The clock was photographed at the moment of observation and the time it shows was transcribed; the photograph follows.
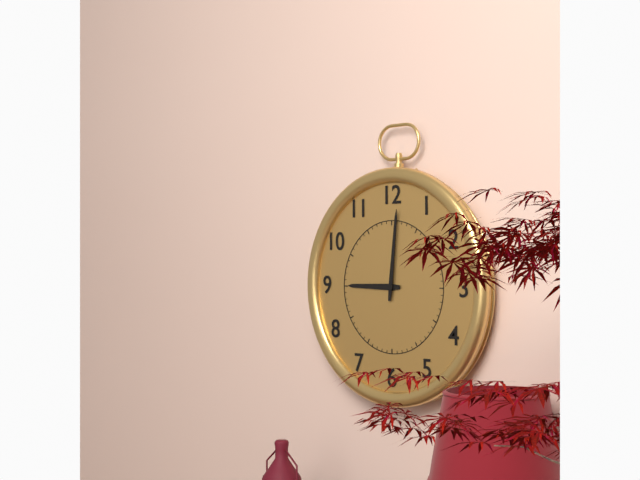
9:01
